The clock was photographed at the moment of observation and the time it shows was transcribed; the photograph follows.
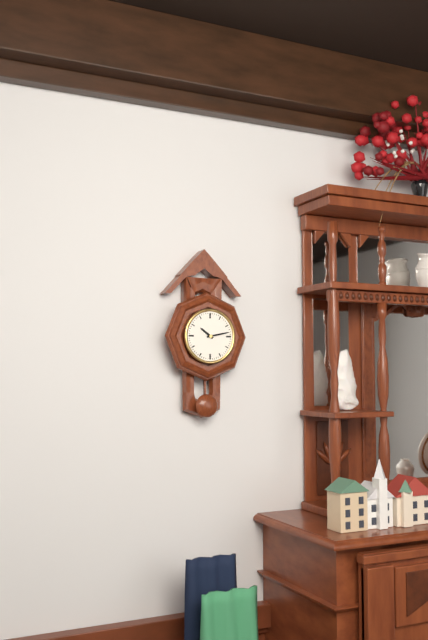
10:13
